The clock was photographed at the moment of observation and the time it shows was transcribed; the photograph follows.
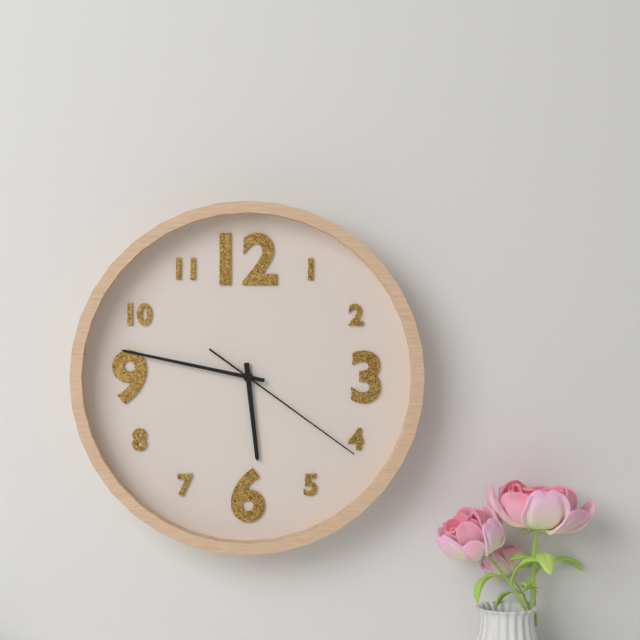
5:47:21
